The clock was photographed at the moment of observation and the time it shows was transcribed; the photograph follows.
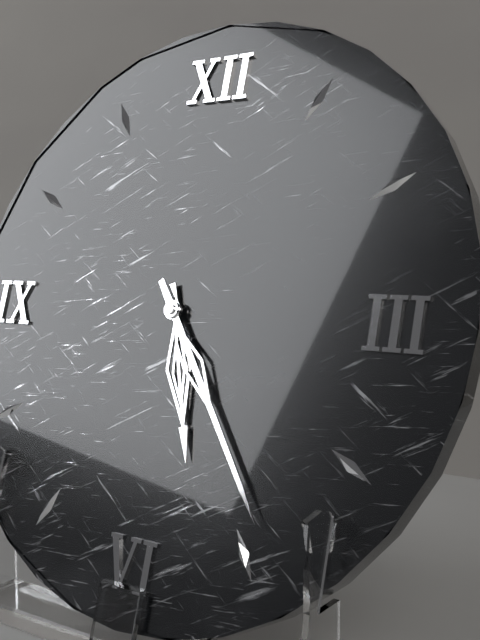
5:24
